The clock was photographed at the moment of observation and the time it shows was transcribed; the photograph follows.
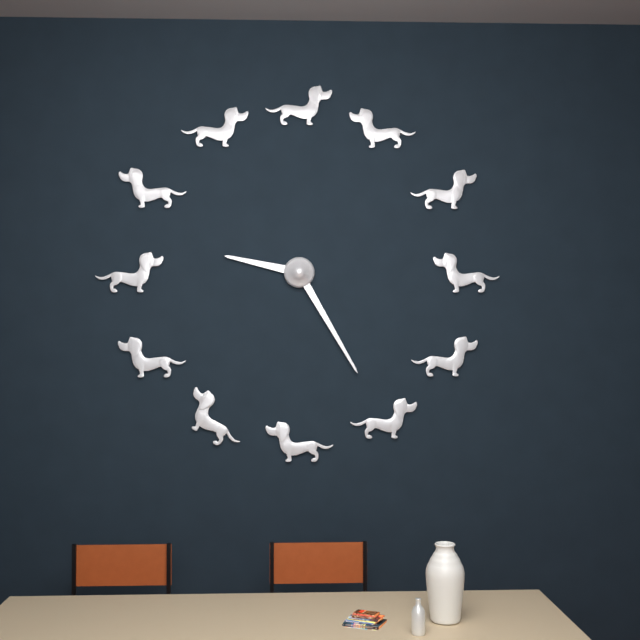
9:25
